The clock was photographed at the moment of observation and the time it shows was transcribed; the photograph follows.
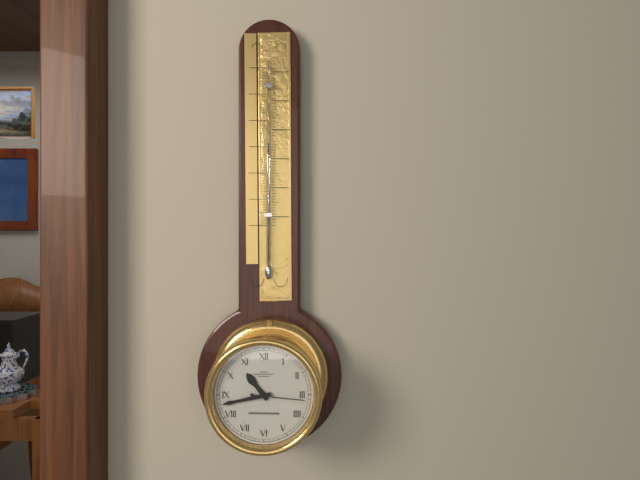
10:43:16
